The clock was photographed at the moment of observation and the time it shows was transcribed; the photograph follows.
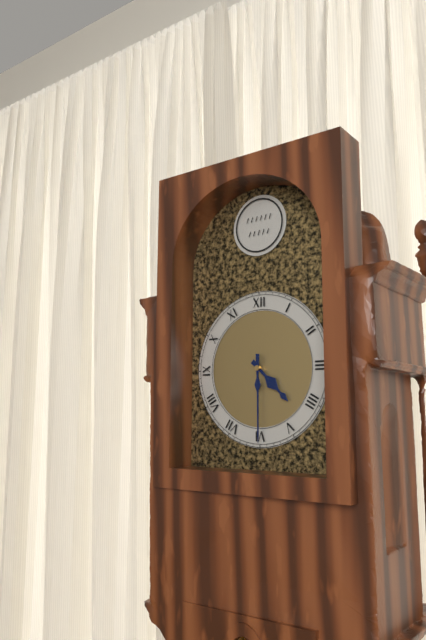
4:30
